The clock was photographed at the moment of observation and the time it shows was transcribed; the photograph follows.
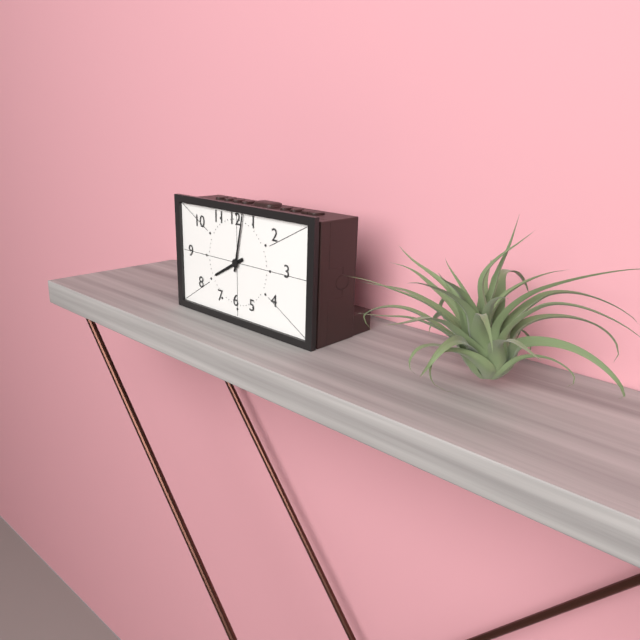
8:02
